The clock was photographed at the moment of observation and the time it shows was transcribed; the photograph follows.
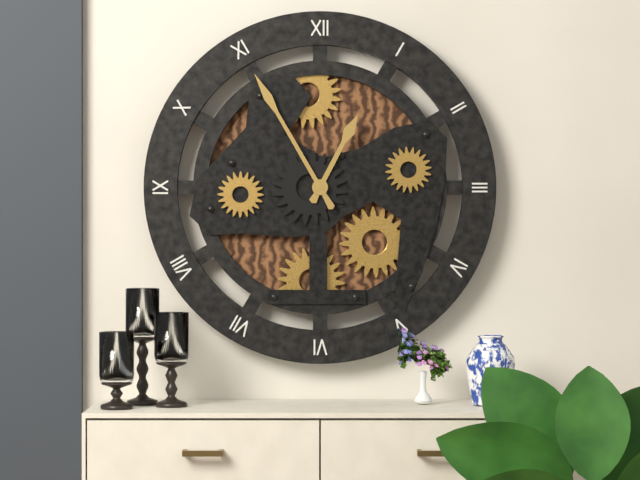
12:55
